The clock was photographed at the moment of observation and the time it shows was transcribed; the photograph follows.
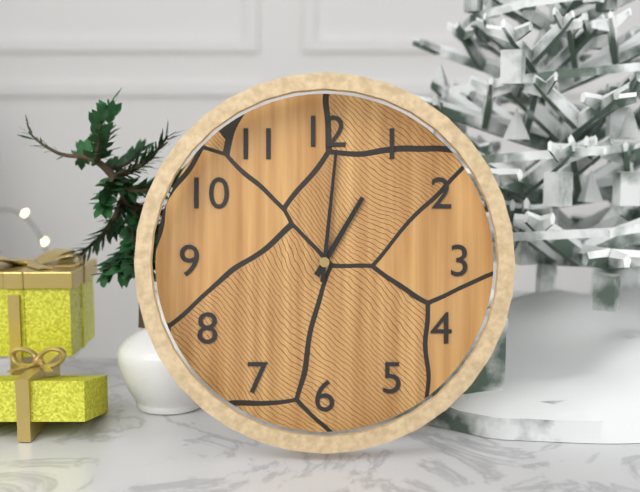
1:01
